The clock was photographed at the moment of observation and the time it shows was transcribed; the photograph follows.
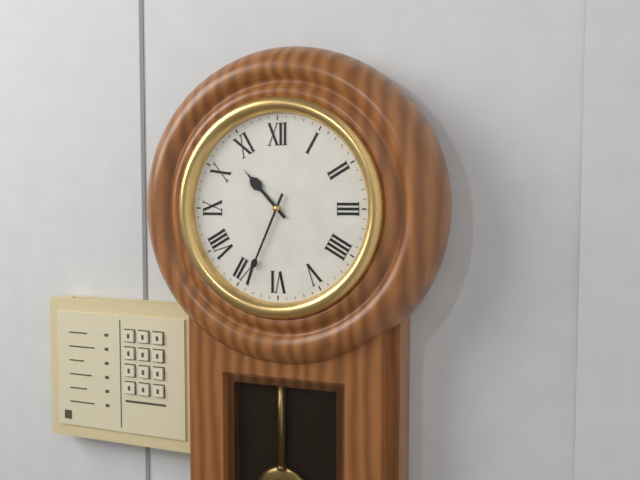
10:34
